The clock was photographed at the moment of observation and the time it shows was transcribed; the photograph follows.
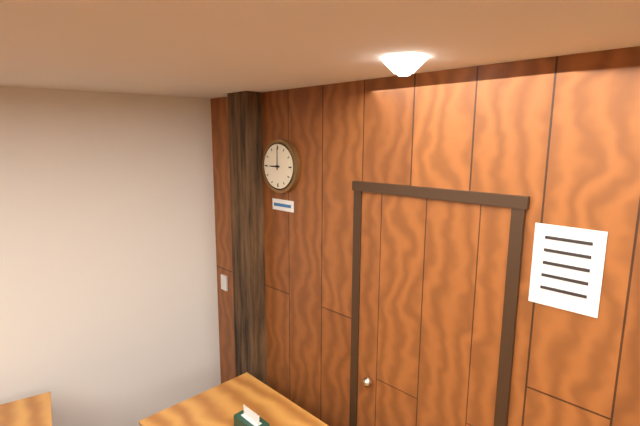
9:00
